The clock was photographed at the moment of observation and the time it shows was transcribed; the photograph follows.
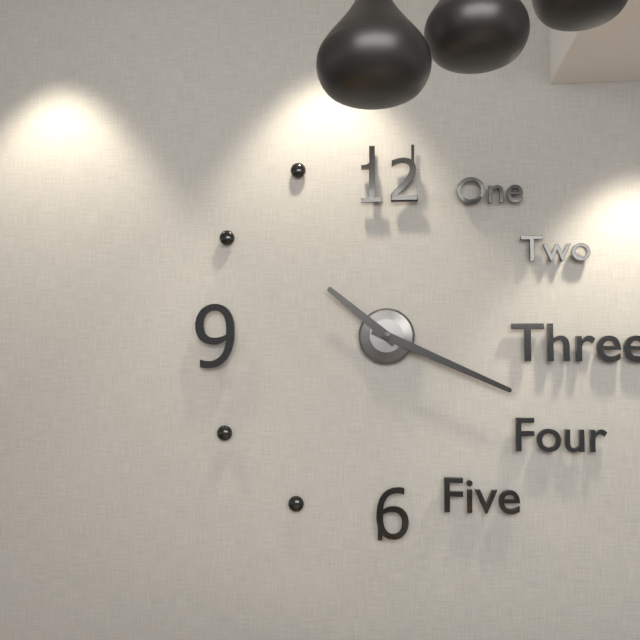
10:19
